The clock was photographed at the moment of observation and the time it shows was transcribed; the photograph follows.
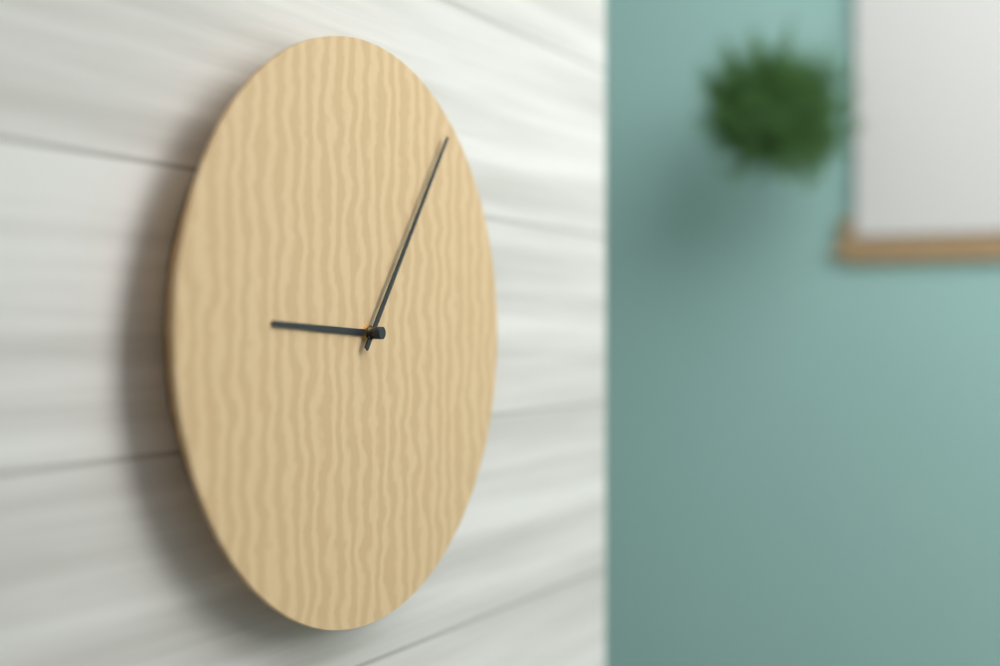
9:06
